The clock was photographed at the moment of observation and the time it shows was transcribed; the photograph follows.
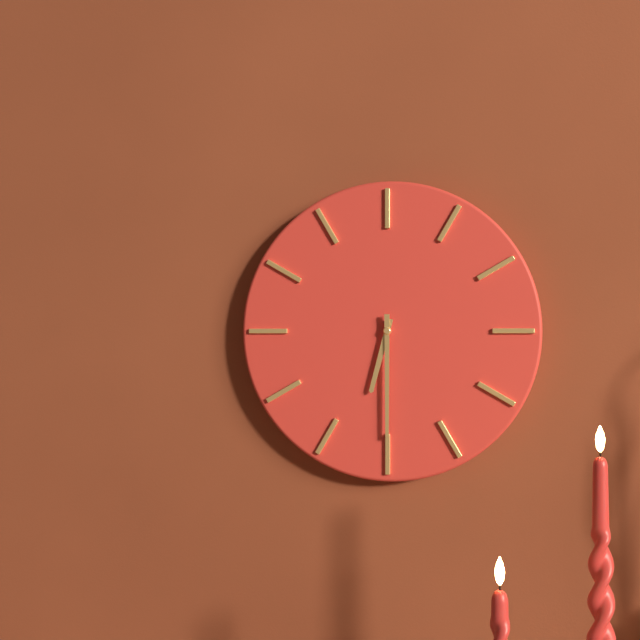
6:30
